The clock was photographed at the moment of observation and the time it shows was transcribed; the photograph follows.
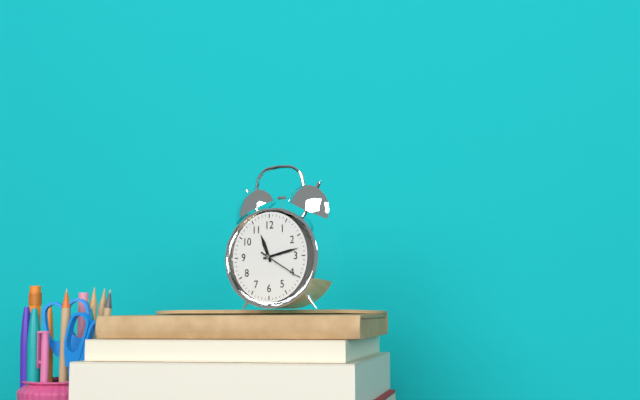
11:13
